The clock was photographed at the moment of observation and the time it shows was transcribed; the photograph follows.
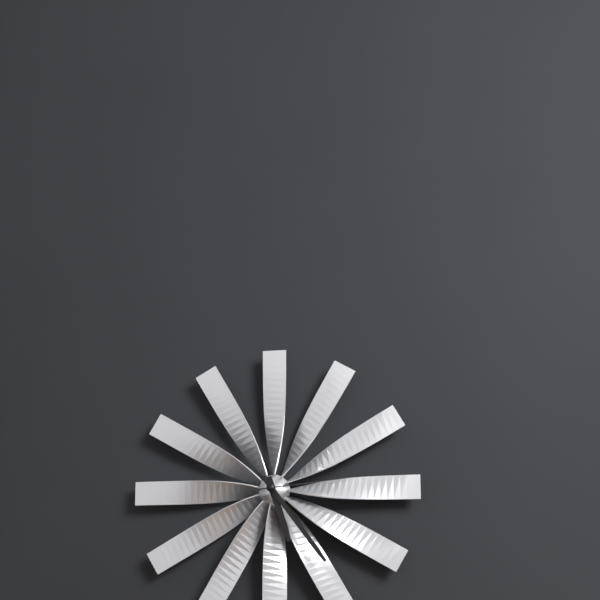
5:24:14
